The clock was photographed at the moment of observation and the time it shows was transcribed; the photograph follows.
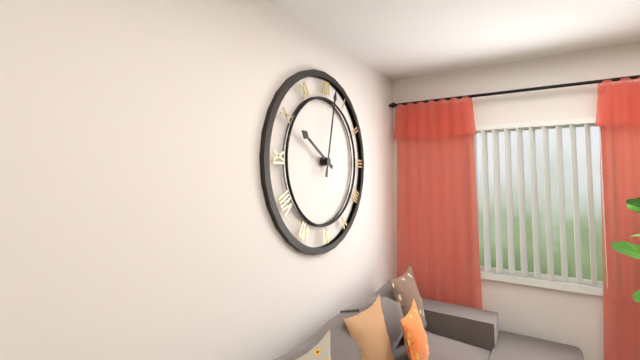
10:02
